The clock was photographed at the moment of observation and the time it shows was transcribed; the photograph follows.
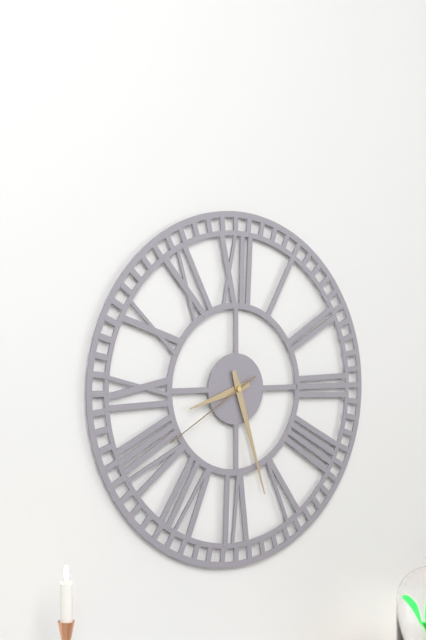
8:27:40
